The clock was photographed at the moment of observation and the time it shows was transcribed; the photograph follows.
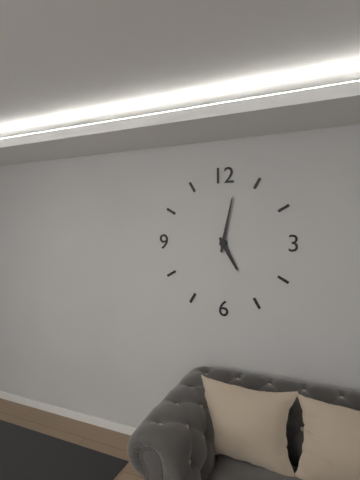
5:02
